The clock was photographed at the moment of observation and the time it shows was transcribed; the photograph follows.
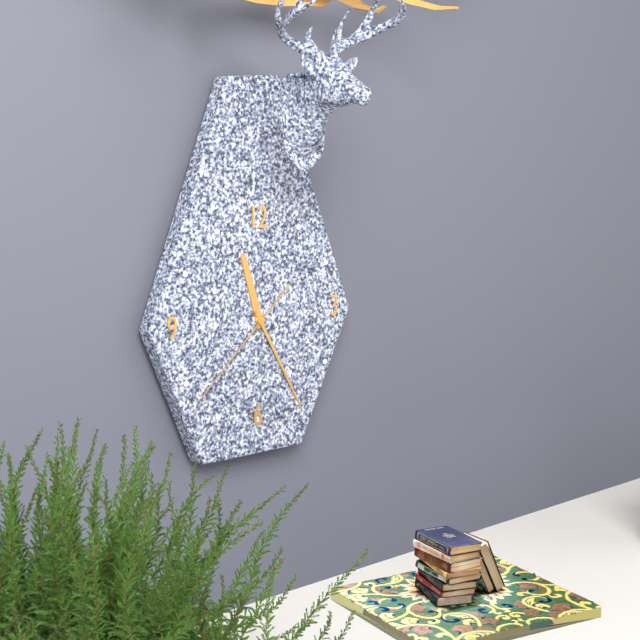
11:25:38
